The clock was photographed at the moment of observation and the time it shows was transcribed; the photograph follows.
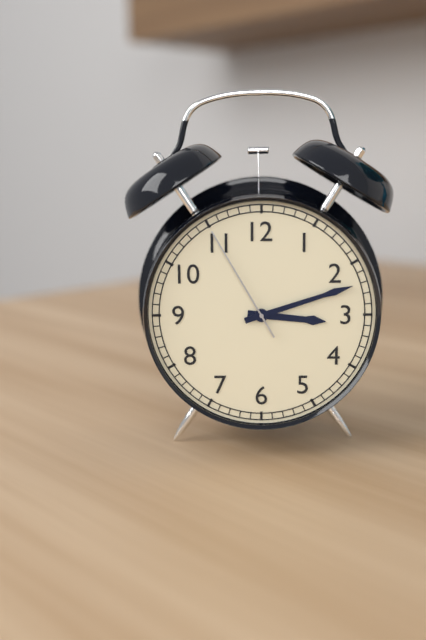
3:12:55
